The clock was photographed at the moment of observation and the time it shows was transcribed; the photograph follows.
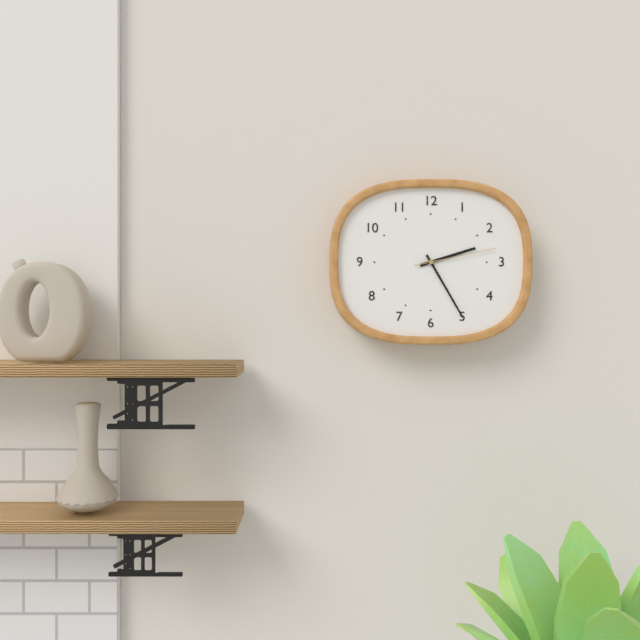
2:25:13
